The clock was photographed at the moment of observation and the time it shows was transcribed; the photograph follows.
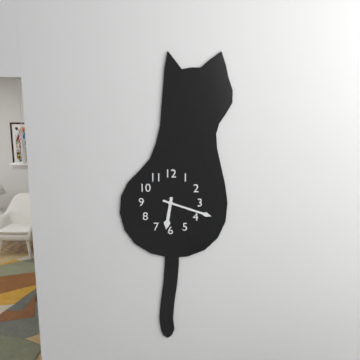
6:18
